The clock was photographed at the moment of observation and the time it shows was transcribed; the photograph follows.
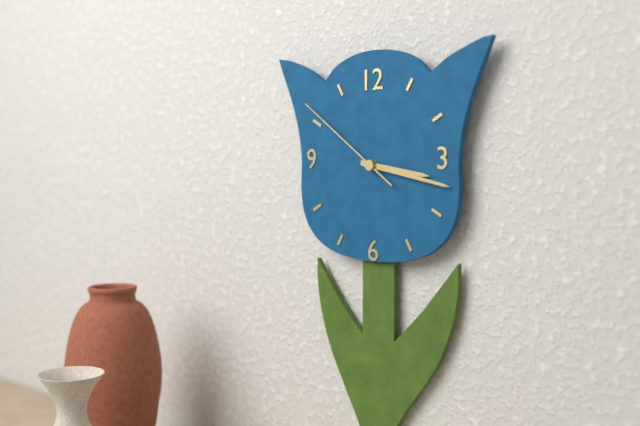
3:17:51
